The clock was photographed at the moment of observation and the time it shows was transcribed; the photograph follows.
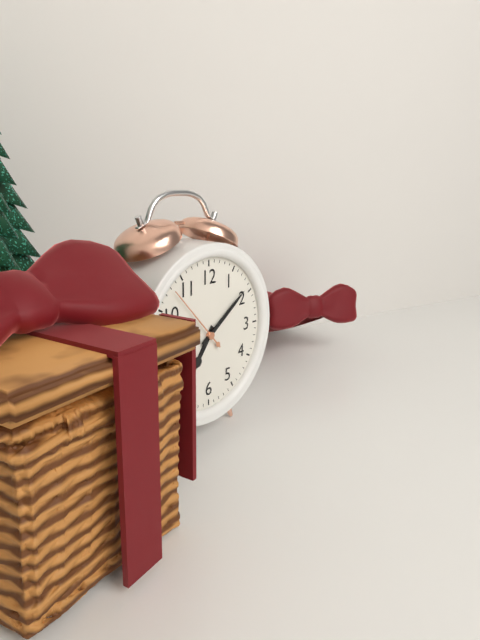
7:09:53
